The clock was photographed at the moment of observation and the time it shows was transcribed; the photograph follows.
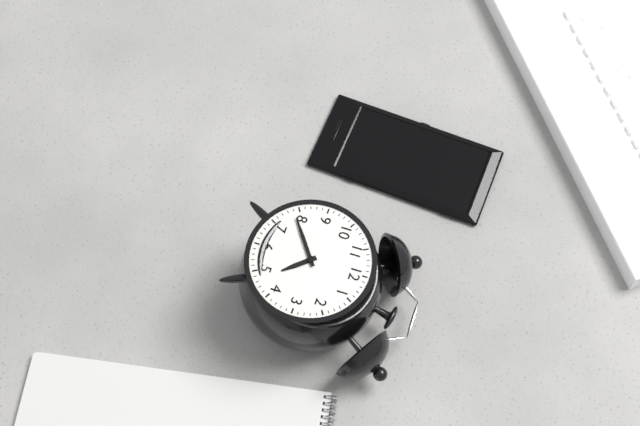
4:39
